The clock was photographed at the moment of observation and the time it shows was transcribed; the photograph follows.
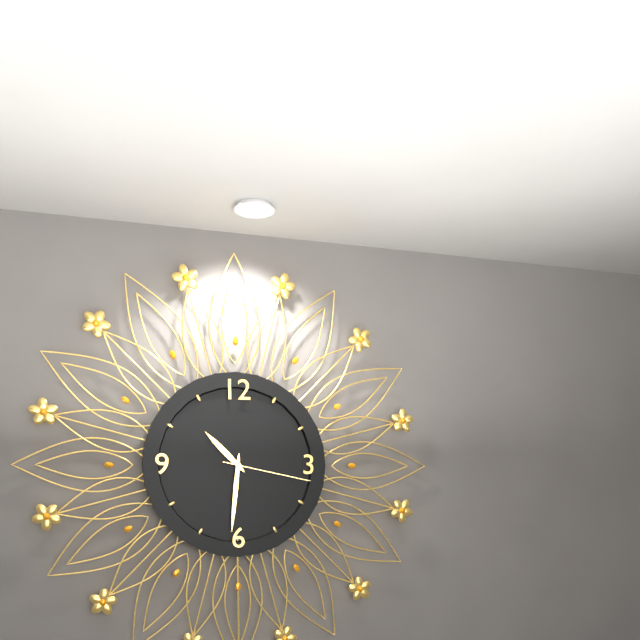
10:31:17
